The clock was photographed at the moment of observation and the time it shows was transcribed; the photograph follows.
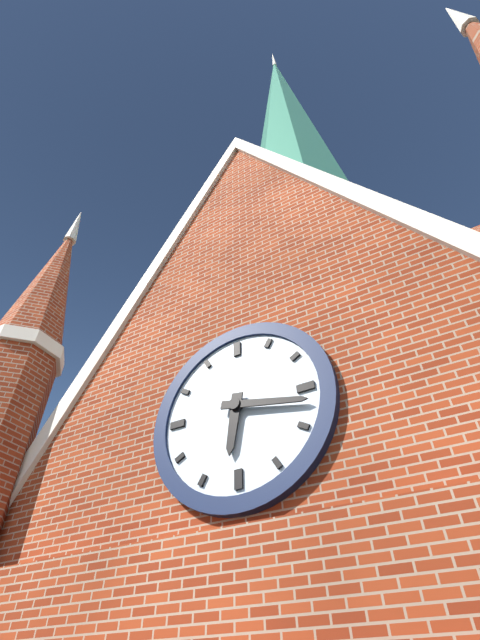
6:17
